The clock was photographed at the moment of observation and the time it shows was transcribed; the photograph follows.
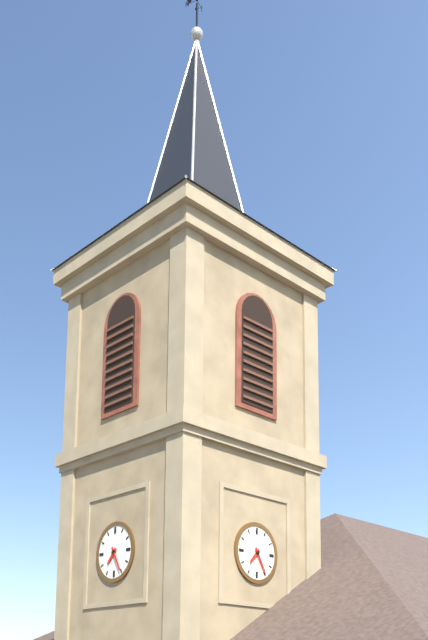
7:25
